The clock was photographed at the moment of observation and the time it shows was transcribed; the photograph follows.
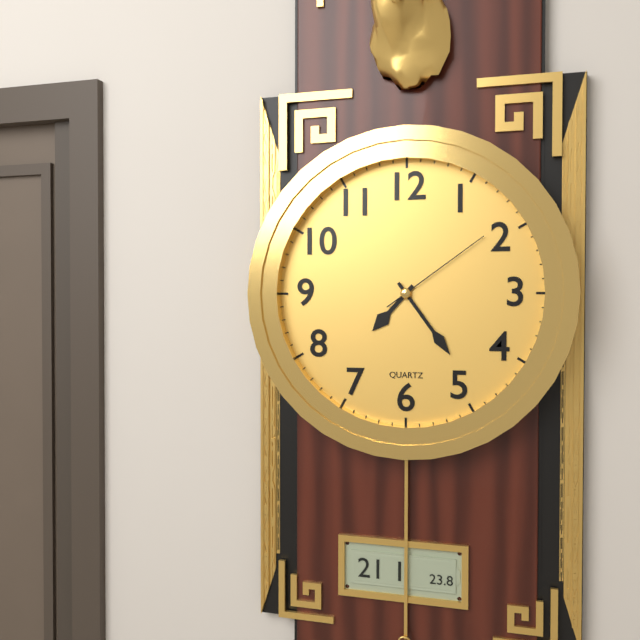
7:24:09
